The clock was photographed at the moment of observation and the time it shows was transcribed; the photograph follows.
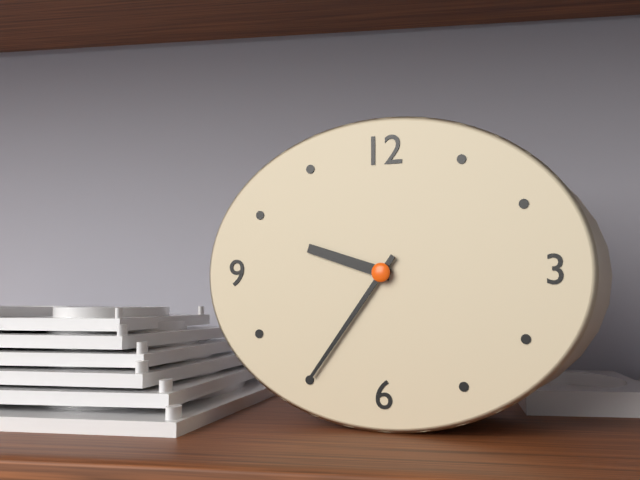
9:36
